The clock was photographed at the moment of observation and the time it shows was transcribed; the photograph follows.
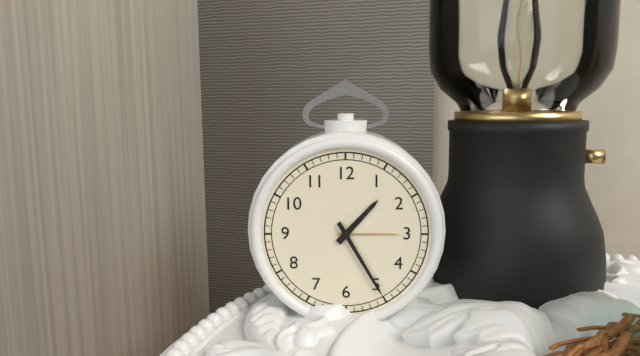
1:25
